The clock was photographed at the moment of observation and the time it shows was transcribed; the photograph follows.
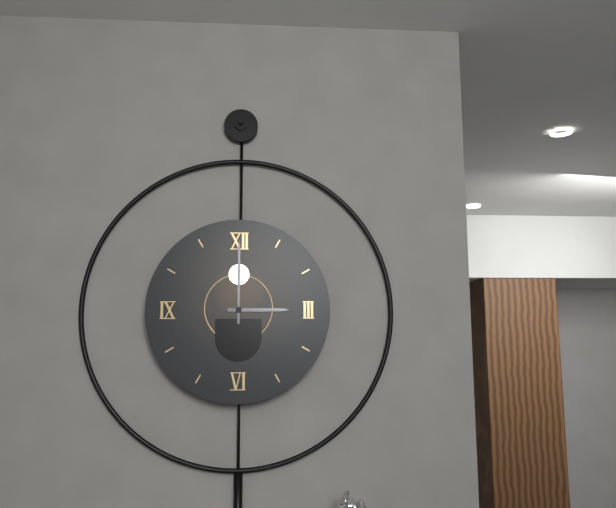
3:00
